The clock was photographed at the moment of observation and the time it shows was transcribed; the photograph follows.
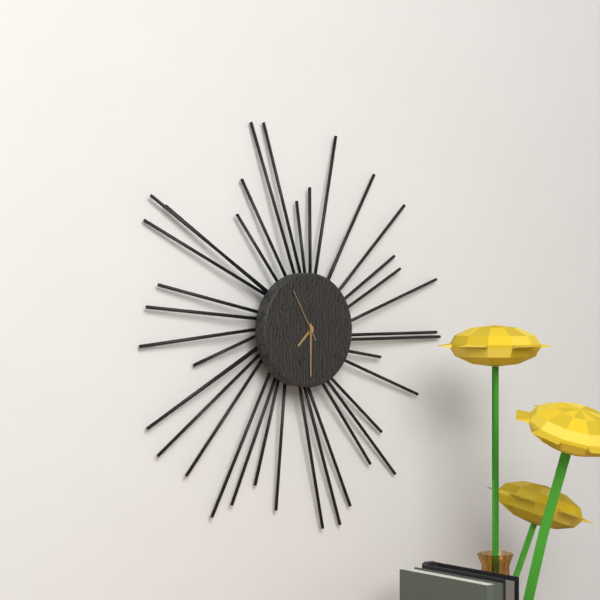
7:30:55
